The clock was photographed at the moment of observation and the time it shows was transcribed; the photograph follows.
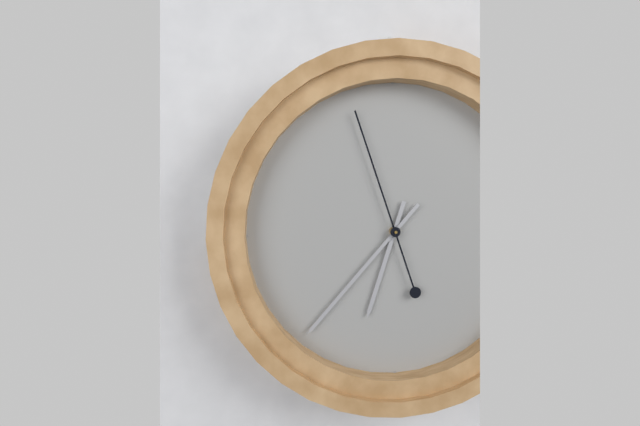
6:37:57
